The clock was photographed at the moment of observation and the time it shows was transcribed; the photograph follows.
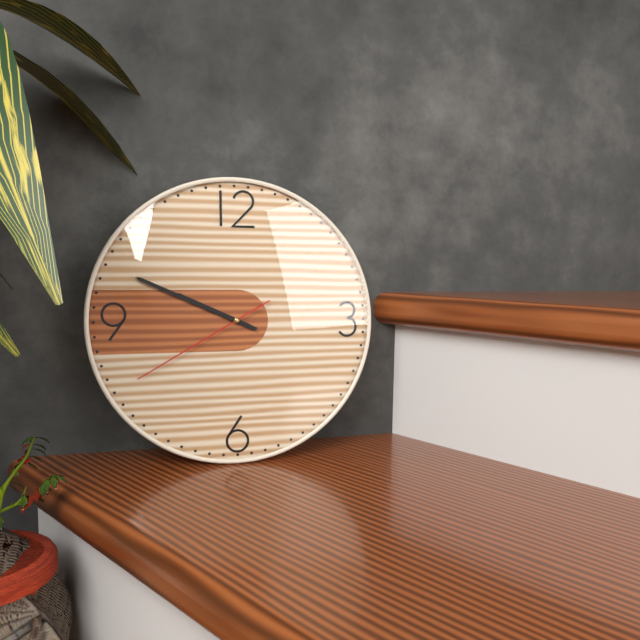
9:49:40
